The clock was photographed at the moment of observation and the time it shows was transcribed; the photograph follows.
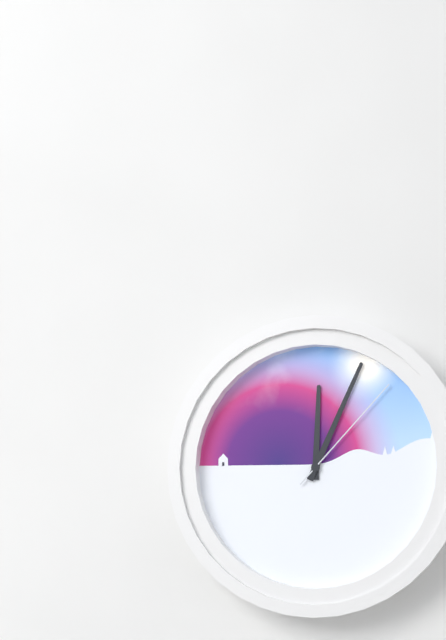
12:04:07
